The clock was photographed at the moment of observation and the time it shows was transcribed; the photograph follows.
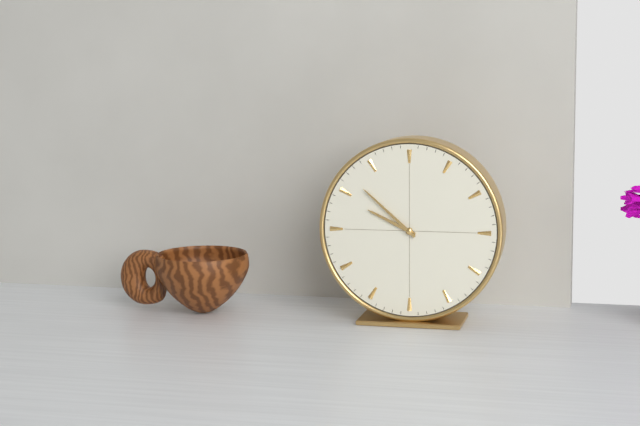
9:52
